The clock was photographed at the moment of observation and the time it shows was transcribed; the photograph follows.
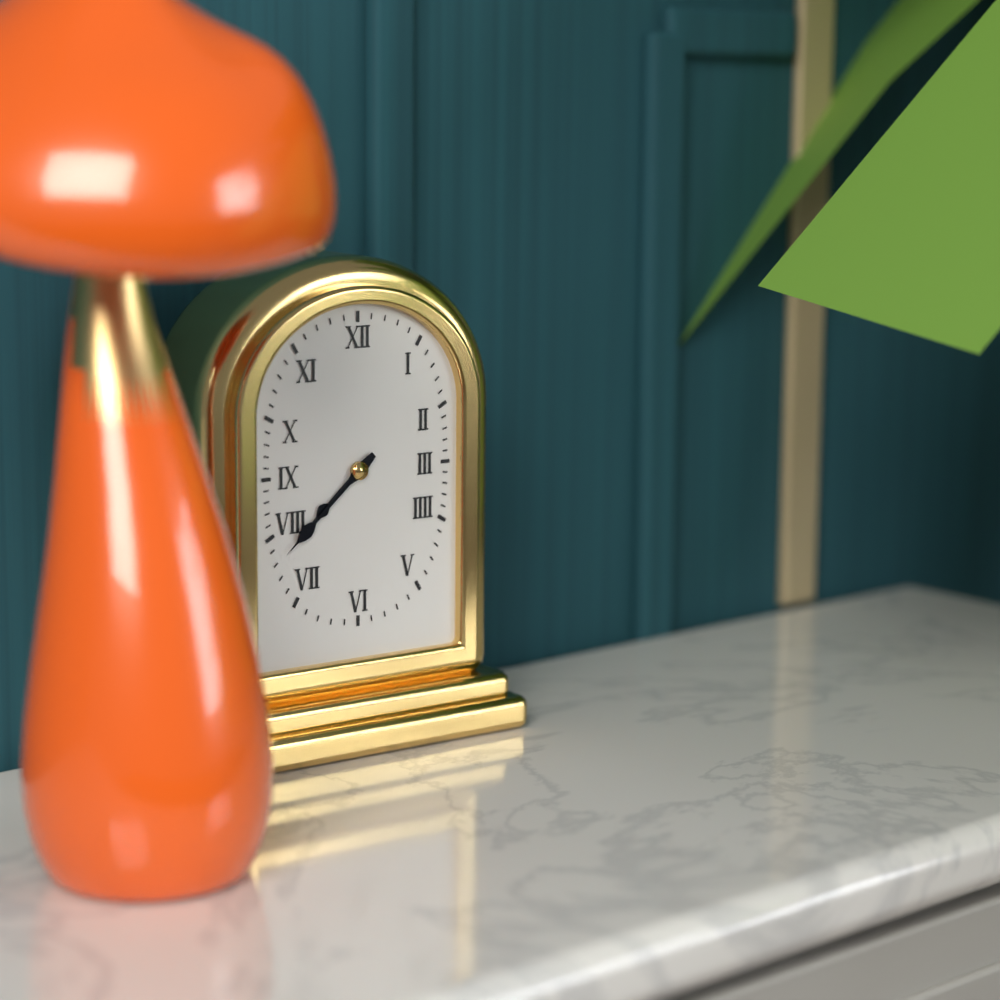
7:38
